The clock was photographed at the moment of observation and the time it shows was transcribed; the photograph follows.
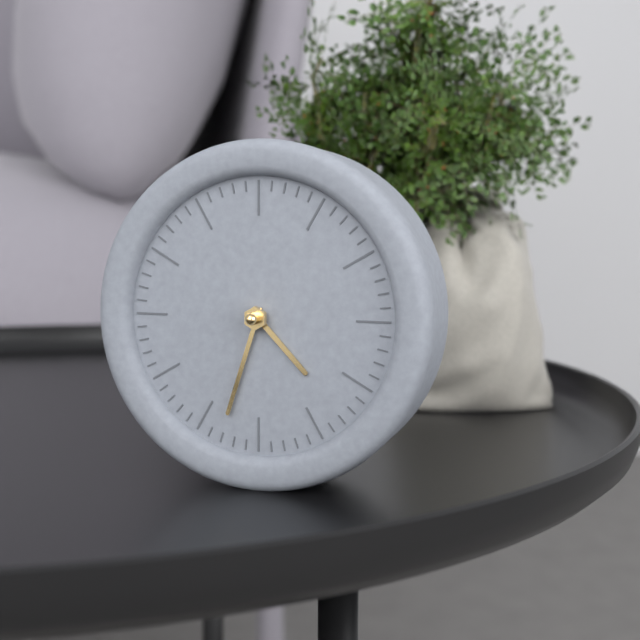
4:33
